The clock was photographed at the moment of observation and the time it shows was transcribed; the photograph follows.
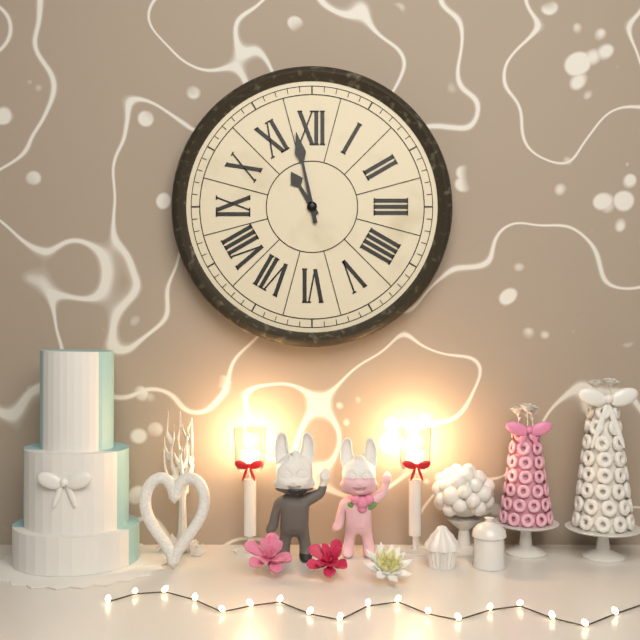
10:58
